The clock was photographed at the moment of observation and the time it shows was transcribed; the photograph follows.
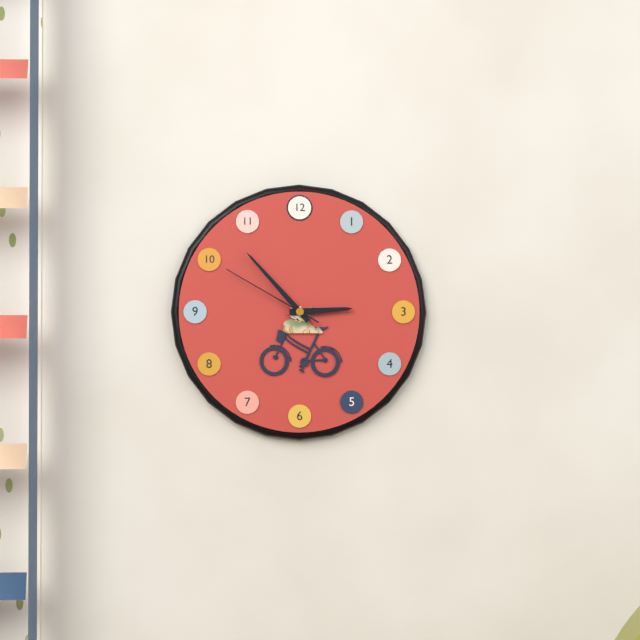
2:53:50
